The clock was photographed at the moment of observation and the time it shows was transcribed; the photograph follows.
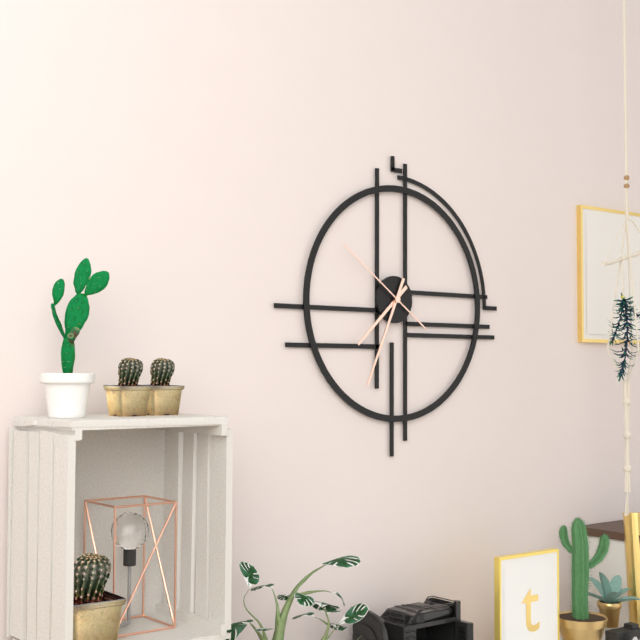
7:34:51
